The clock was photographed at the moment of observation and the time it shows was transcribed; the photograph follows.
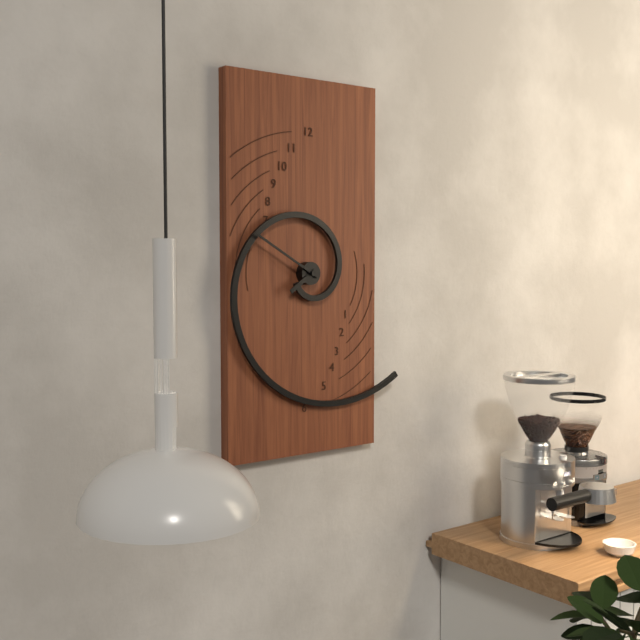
7:50
